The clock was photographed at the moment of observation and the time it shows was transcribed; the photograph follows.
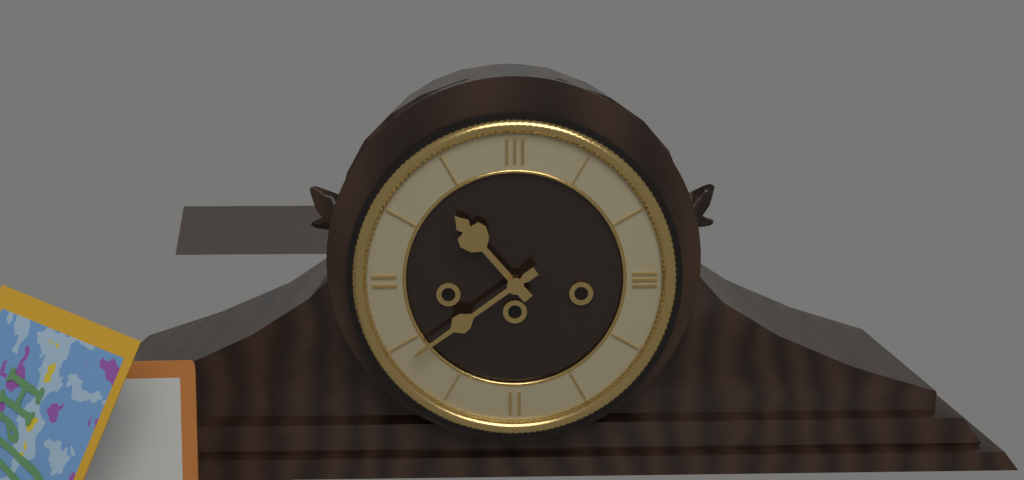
10:39
